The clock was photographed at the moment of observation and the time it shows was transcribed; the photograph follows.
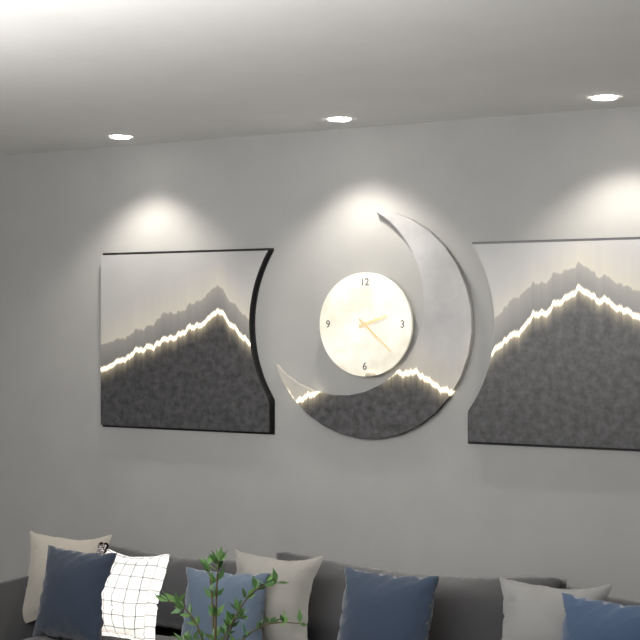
2:22
